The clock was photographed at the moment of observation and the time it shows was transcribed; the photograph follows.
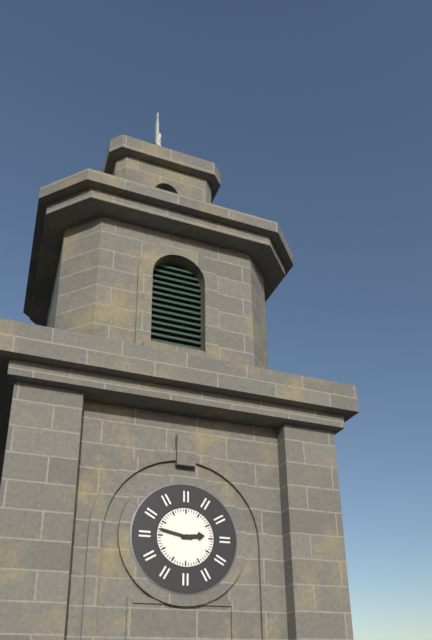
2:47
